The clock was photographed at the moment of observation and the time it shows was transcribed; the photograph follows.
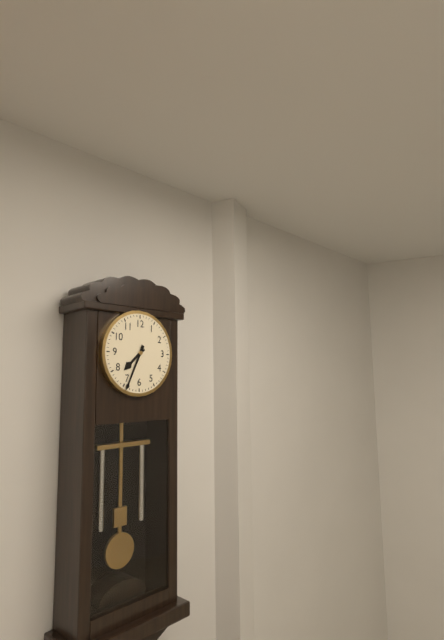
7:34
